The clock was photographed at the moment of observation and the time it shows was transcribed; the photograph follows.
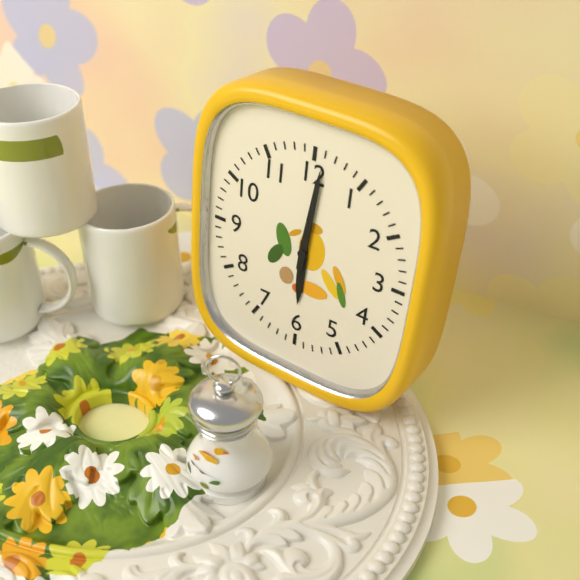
6:01
